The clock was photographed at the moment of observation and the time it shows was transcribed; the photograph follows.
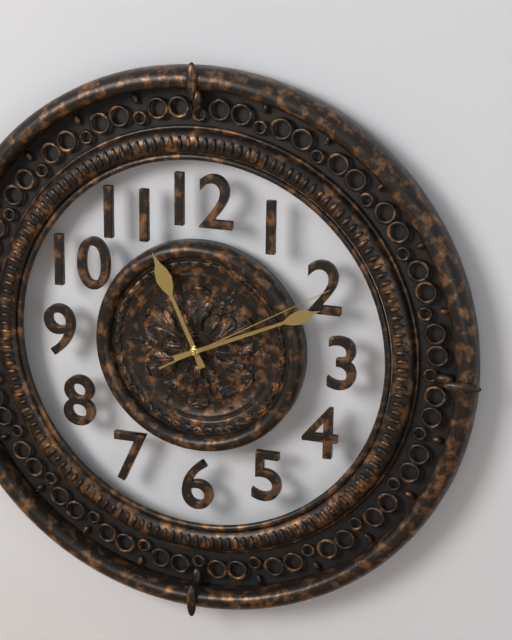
11:11:10
